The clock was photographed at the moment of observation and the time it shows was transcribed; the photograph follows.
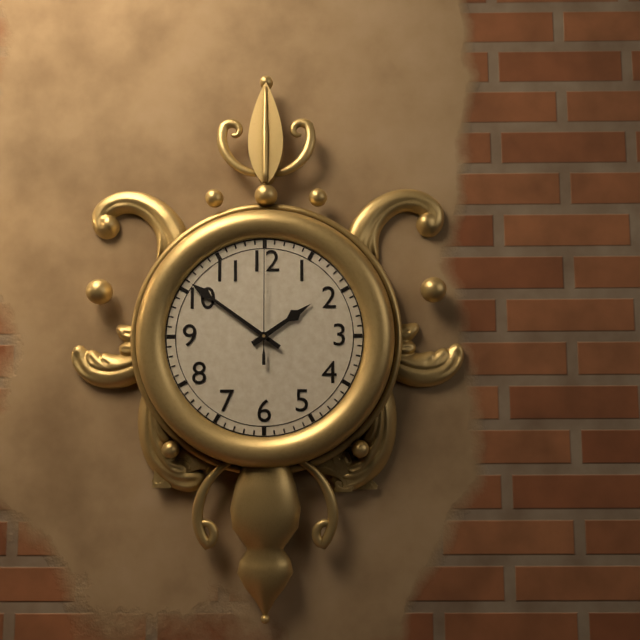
1:51:00
